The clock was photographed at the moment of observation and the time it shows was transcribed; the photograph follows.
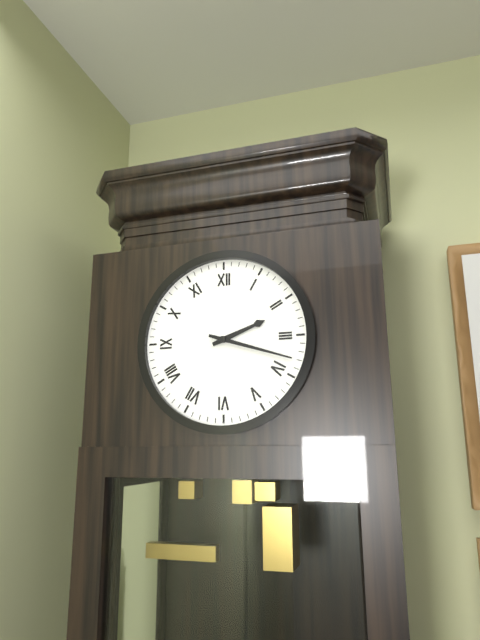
2:18
